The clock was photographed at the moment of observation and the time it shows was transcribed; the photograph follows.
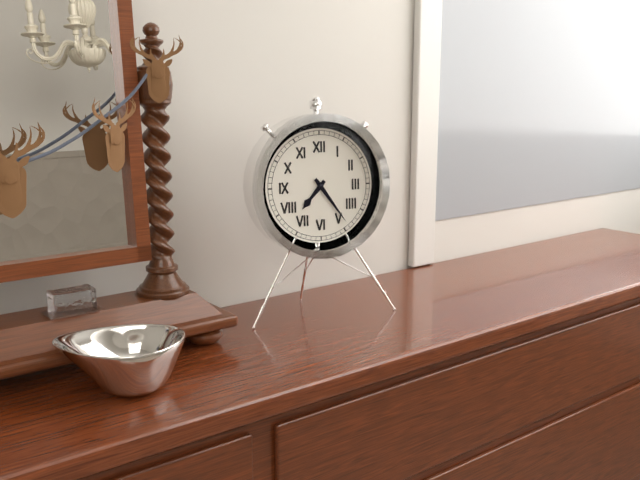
7:24
